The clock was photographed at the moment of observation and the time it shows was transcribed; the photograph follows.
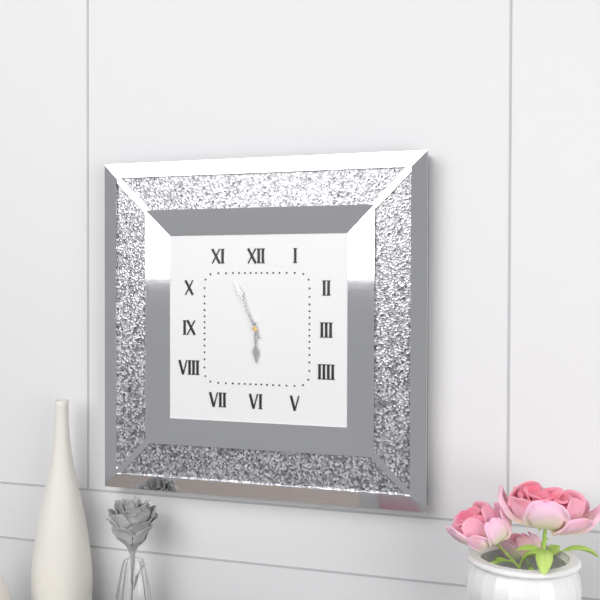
5:56
